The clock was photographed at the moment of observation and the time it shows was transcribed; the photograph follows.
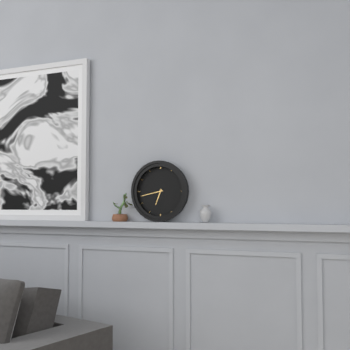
6:43
